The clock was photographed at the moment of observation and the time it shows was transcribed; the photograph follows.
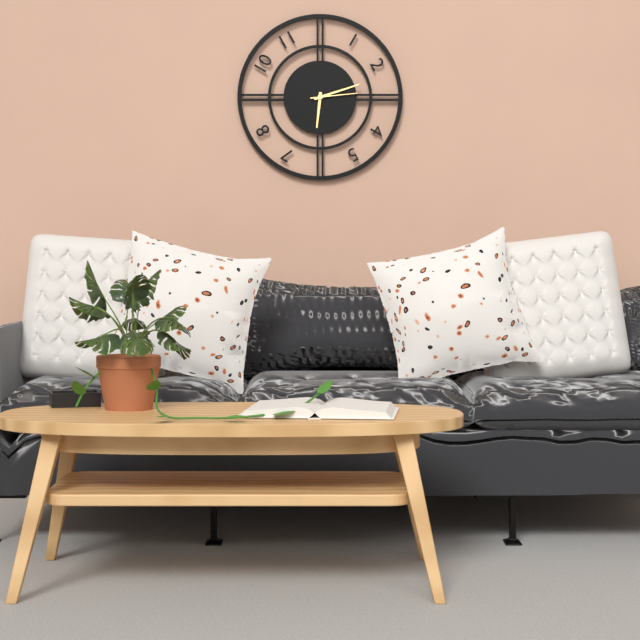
6:12
